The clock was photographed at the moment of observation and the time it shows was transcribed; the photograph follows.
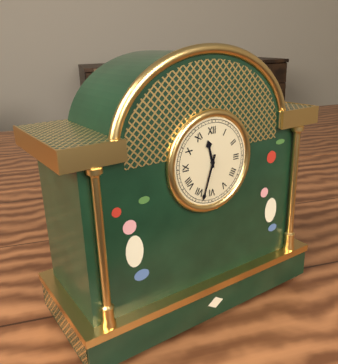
11:33
